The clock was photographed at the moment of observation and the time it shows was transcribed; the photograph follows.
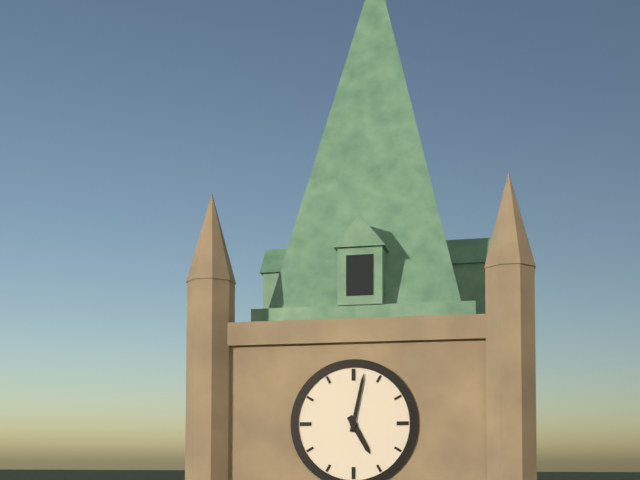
5:02
